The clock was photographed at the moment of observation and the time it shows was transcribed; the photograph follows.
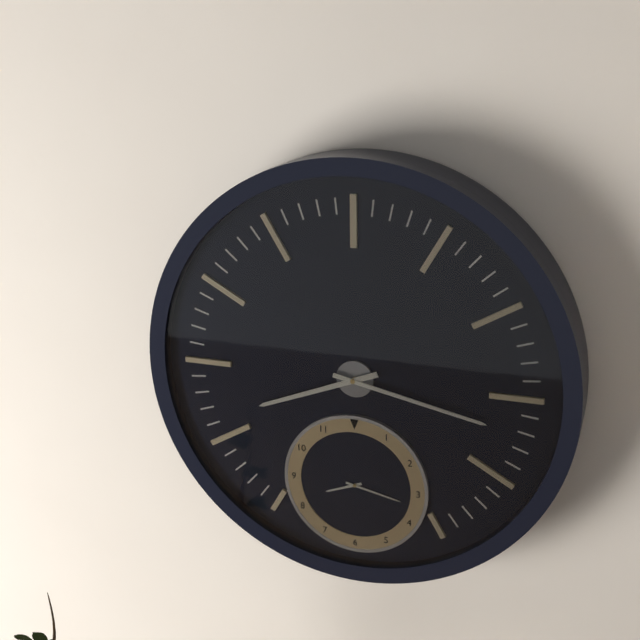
8:17
